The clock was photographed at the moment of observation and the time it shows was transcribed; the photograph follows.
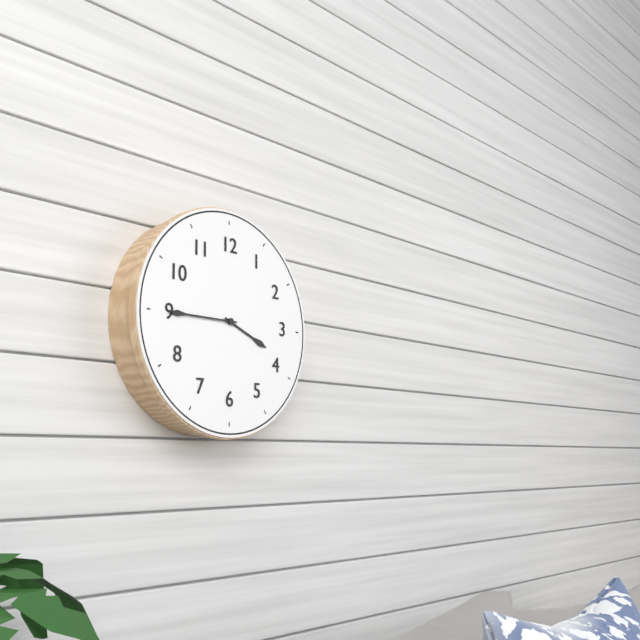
3:45
